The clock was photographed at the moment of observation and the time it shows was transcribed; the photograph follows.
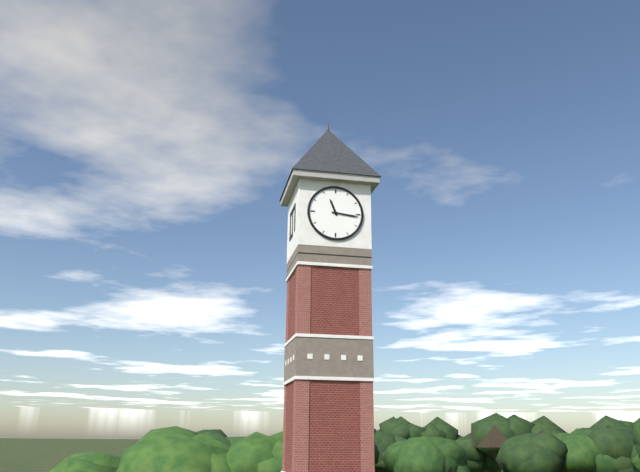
11:16
